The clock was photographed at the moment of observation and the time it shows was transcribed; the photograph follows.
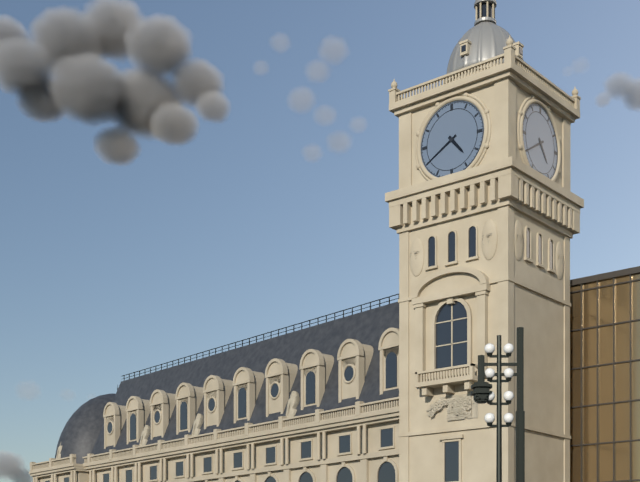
4:40
